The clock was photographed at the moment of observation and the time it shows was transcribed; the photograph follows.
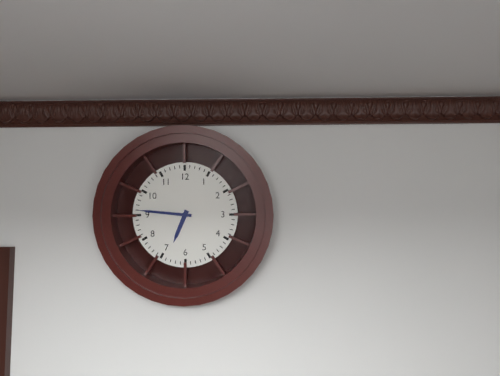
6:46
